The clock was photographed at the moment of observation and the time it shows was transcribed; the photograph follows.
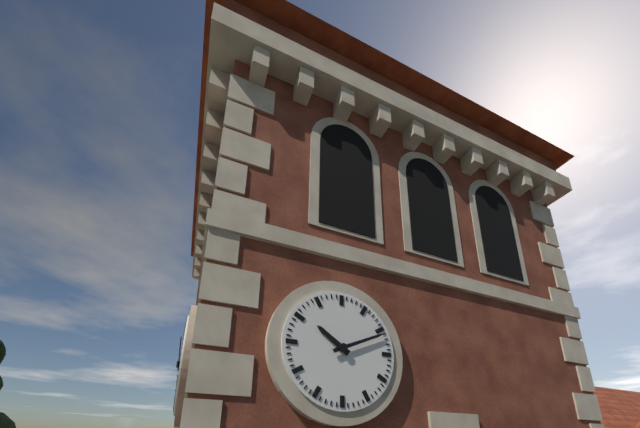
10:11
